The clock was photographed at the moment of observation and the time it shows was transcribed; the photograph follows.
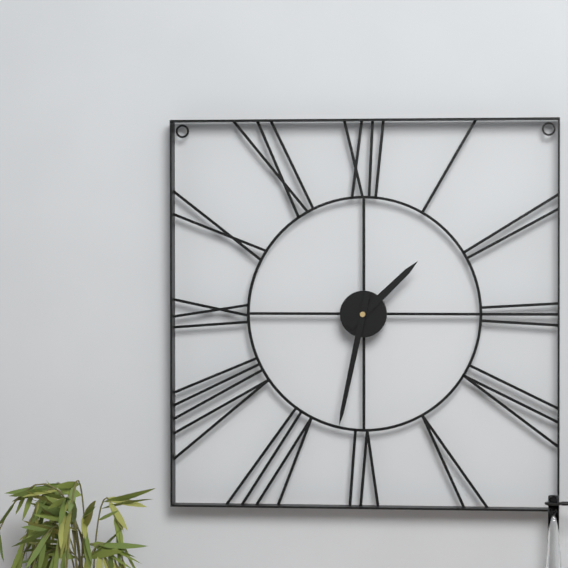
1:32
